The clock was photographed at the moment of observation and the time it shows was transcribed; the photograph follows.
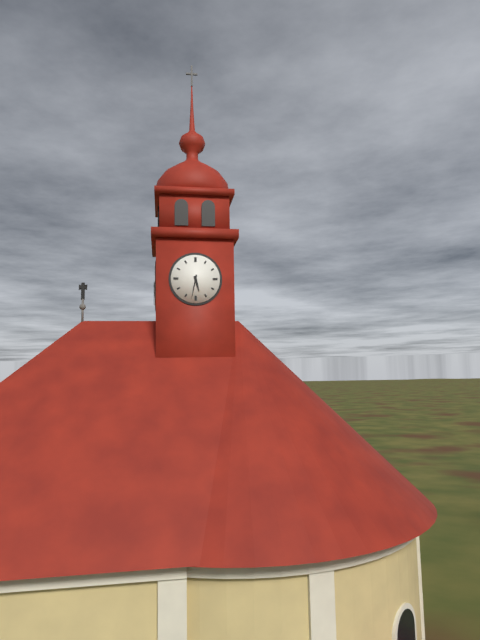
5:32
